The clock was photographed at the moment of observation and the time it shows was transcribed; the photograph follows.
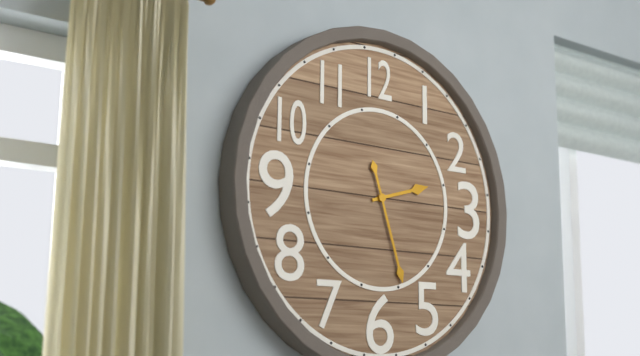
2:27
